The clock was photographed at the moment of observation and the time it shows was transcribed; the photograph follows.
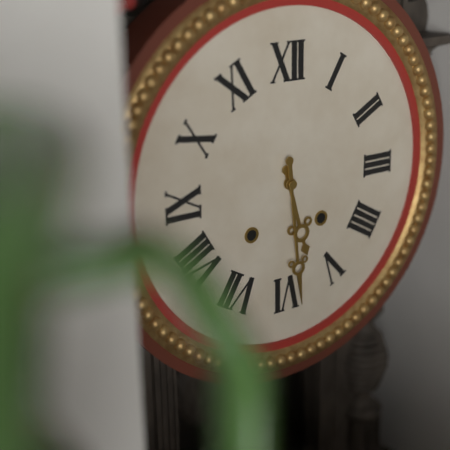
5:29
